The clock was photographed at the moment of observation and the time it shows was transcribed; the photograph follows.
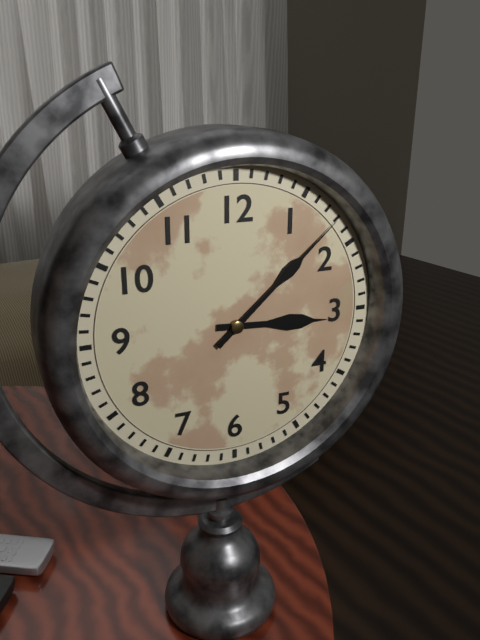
3:08
